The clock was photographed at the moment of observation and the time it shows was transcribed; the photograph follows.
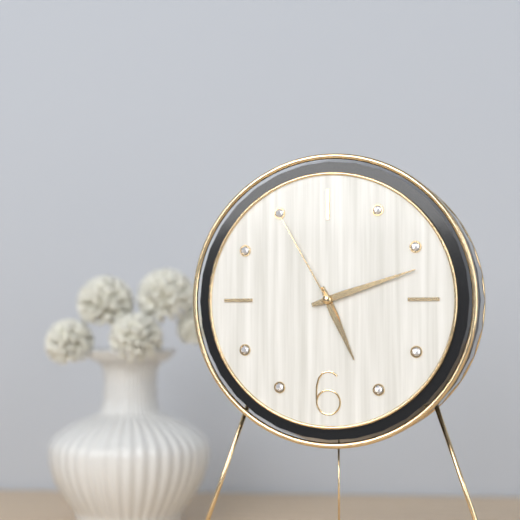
5:12:55
